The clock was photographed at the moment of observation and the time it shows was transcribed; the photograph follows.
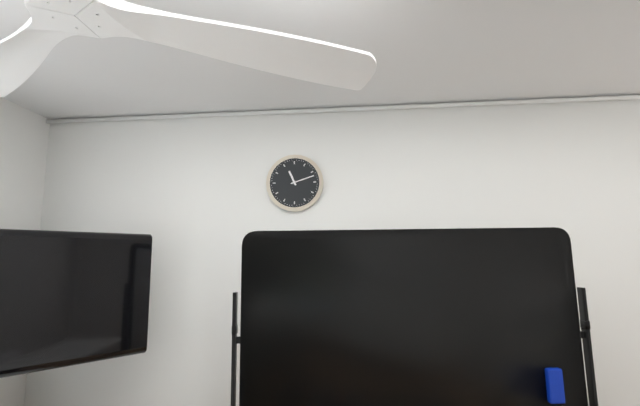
11:12
